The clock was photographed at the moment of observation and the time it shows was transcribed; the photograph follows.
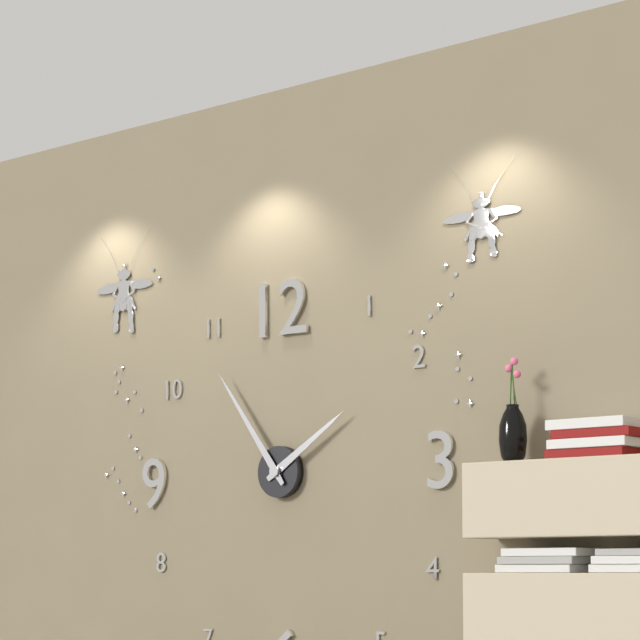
1:54
